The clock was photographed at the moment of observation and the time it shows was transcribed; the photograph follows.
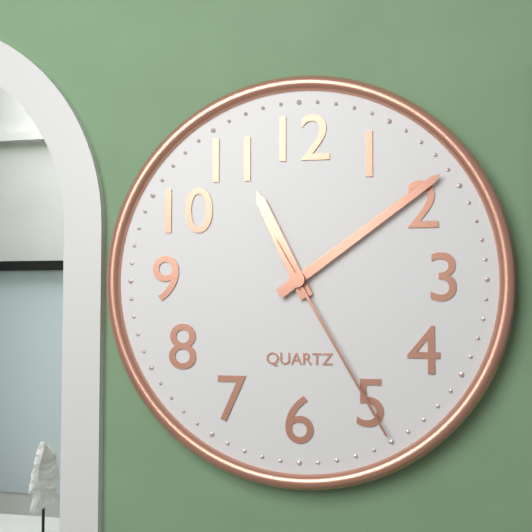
11:09:25
